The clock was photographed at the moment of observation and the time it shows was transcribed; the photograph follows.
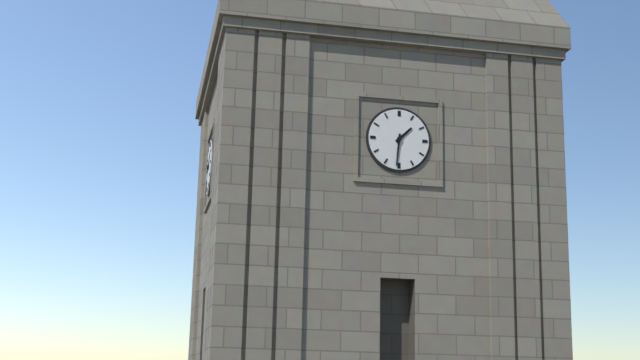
1:31
